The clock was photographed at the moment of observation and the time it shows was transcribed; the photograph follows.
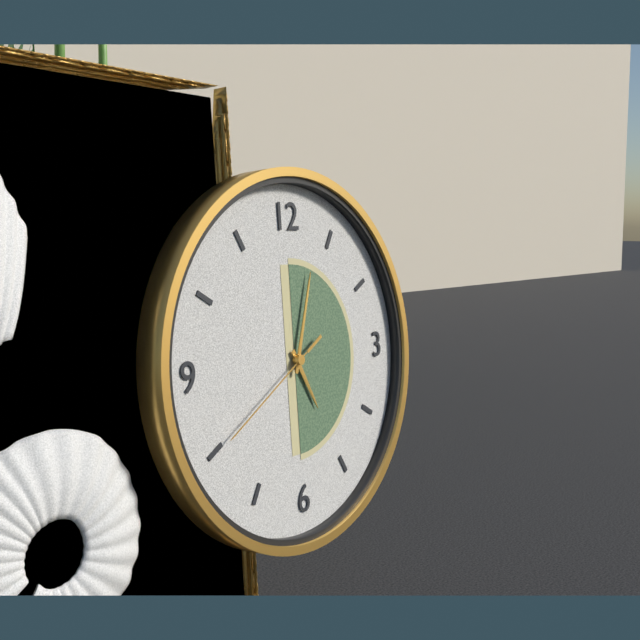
5:03:40
